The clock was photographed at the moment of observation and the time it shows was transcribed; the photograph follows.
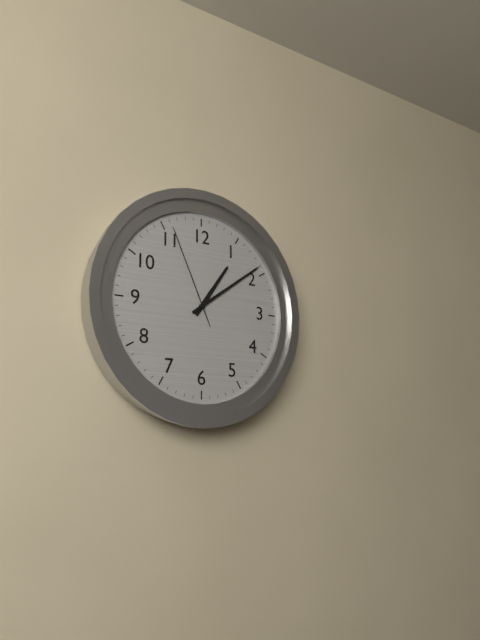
1:09:56
